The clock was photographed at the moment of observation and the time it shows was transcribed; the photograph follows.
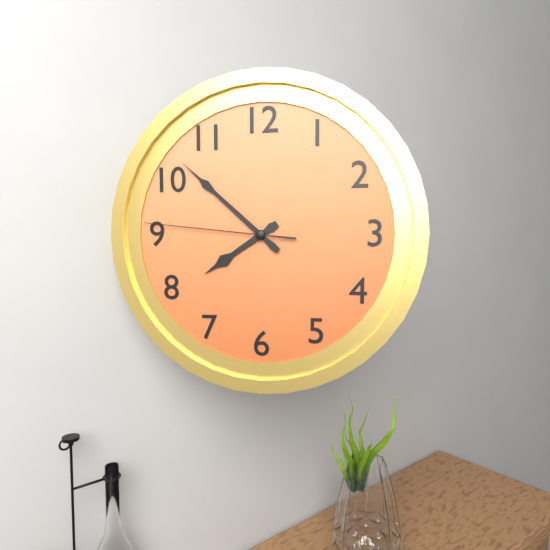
7:52:46
